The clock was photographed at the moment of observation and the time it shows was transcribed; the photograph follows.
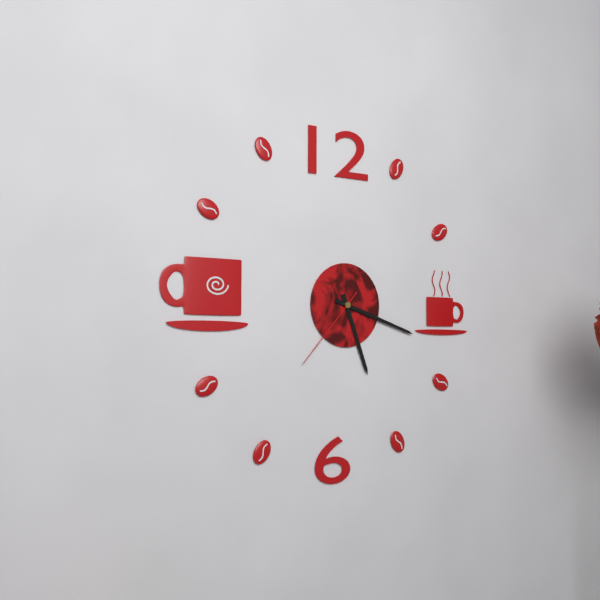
5:18:37
